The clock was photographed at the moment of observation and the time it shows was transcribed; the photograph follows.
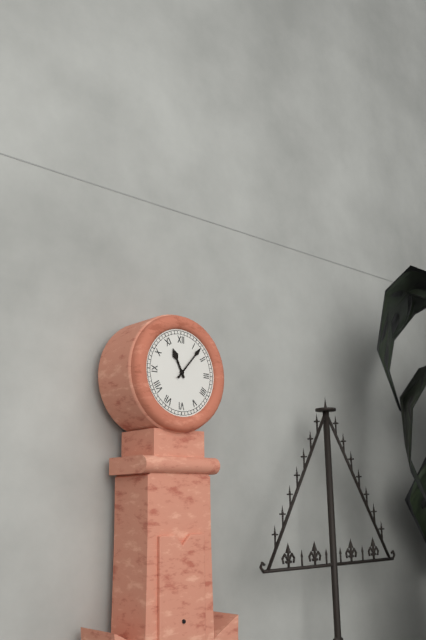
11:07
